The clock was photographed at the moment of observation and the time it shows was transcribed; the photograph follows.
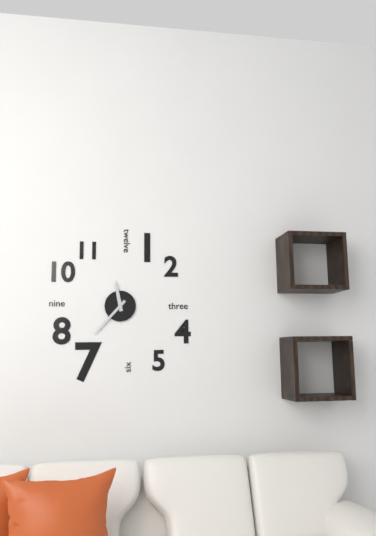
11:37
